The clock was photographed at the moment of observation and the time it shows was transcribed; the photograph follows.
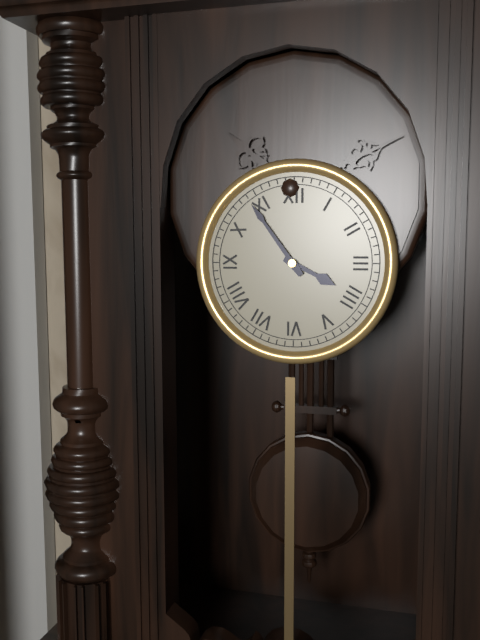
3:54
